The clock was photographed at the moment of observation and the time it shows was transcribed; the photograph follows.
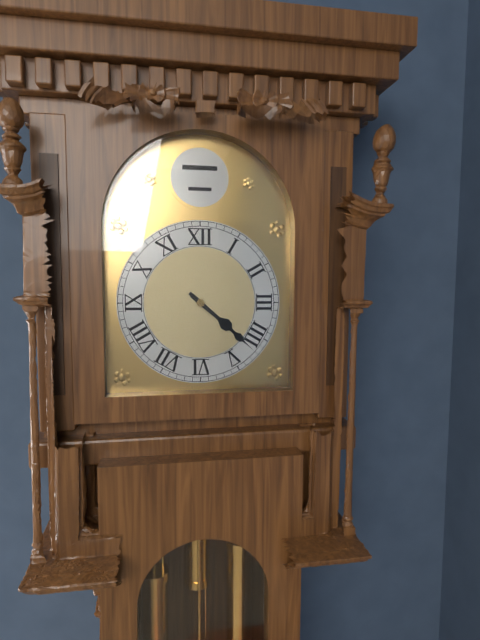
4:22
